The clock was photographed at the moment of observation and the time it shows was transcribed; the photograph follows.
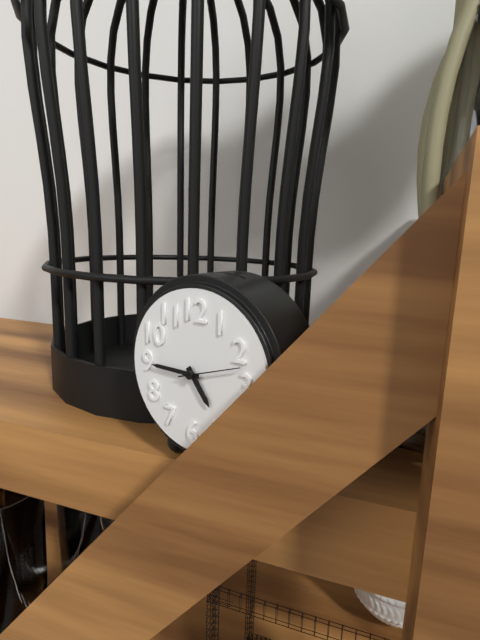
4:45:12
